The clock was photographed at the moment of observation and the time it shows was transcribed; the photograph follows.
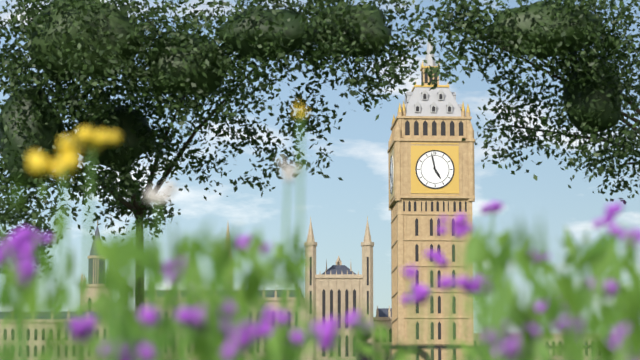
4:58
